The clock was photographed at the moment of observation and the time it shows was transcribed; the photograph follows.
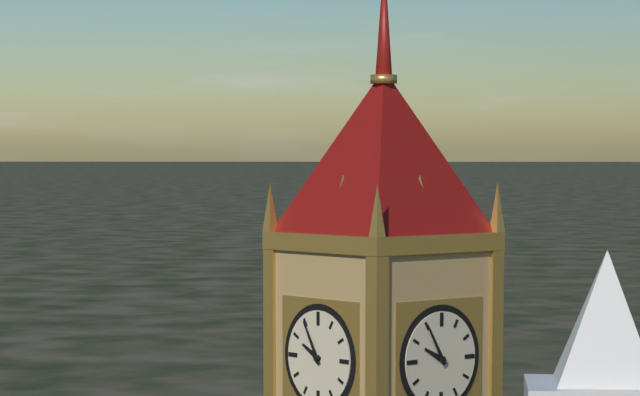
9:55
